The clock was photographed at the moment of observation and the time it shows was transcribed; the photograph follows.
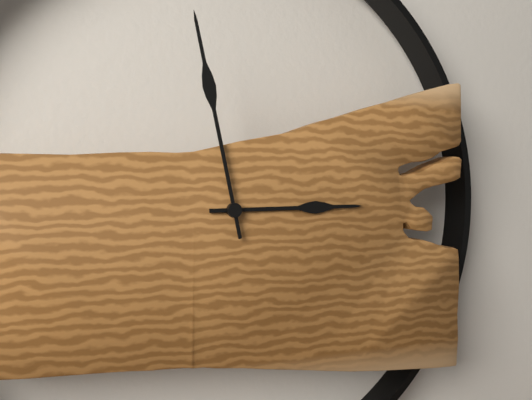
2:58
